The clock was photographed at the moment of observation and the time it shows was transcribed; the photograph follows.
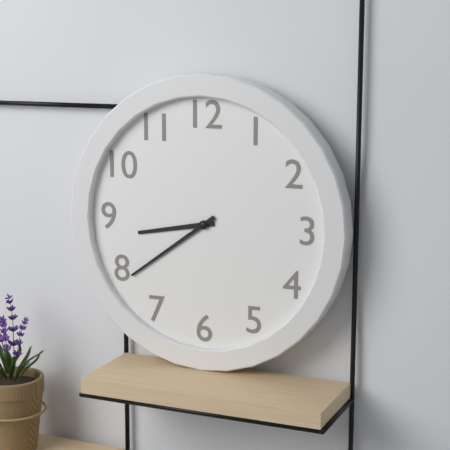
8:39
